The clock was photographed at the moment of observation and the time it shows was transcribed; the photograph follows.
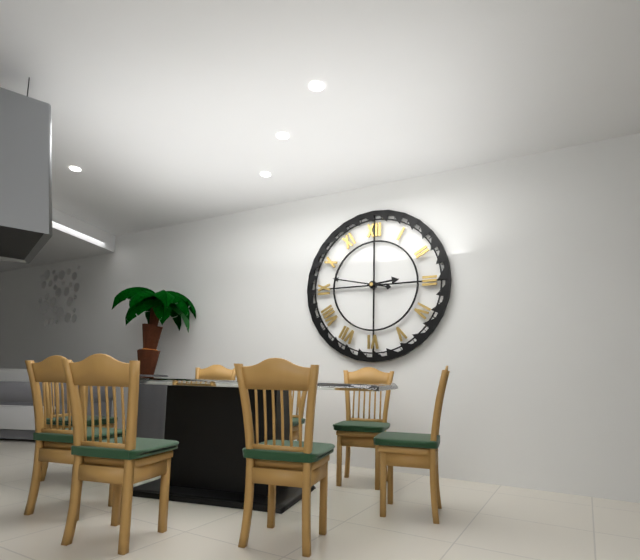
2:47
